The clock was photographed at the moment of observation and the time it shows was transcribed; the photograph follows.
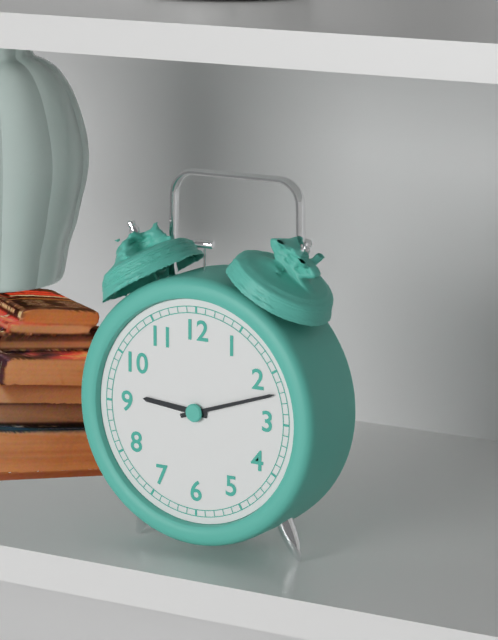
9:12
